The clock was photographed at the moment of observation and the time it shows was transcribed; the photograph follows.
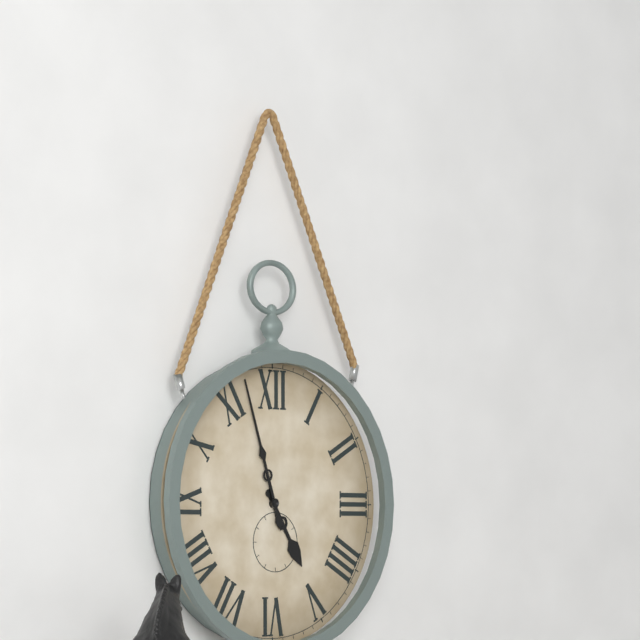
4:57
